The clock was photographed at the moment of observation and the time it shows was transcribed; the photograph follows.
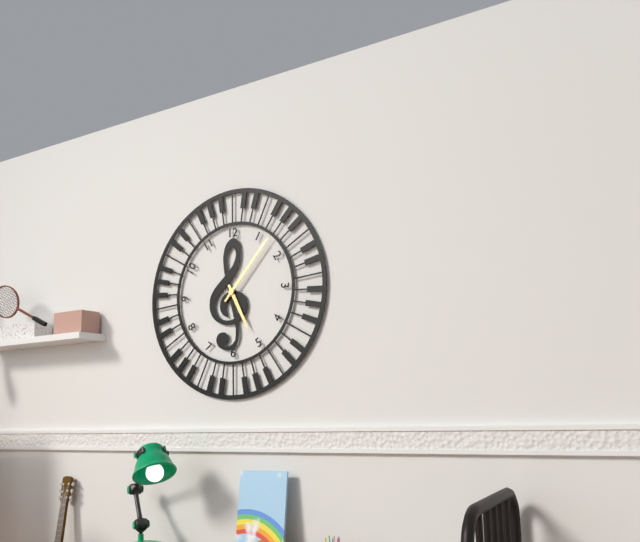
5:07
